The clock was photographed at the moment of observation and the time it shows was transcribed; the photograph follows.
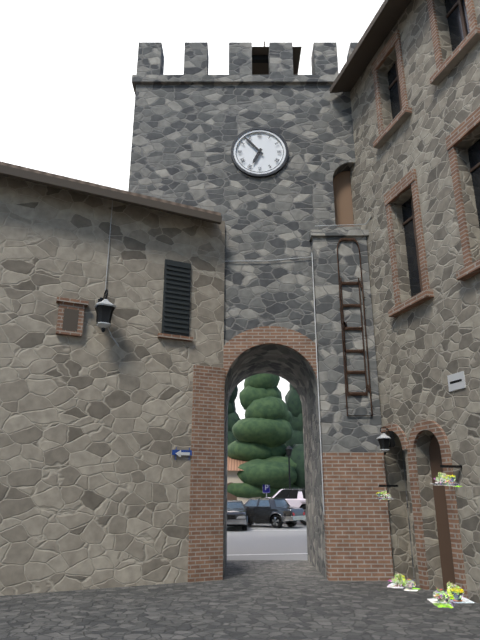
6:53
